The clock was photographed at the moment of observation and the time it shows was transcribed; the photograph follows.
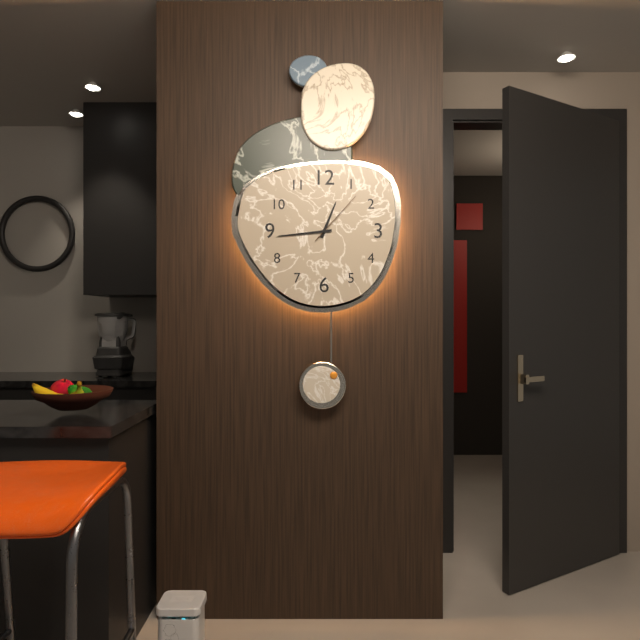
12:44:07
